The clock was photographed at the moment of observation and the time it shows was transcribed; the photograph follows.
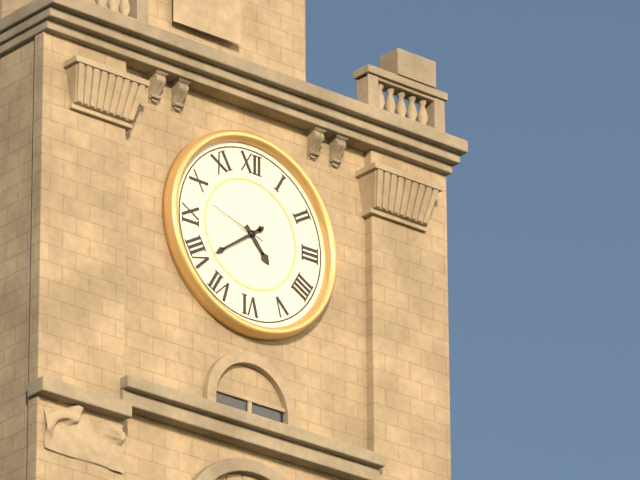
4:39:48
